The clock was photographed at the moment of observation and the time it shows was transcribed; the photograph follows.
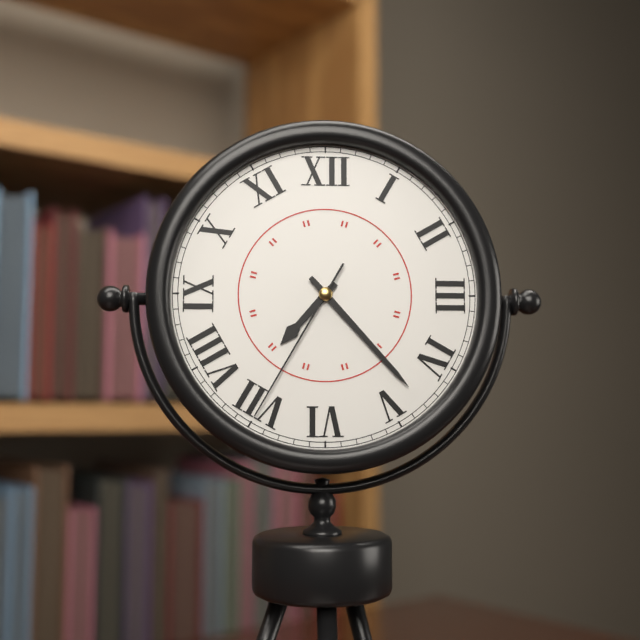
7:23:35
